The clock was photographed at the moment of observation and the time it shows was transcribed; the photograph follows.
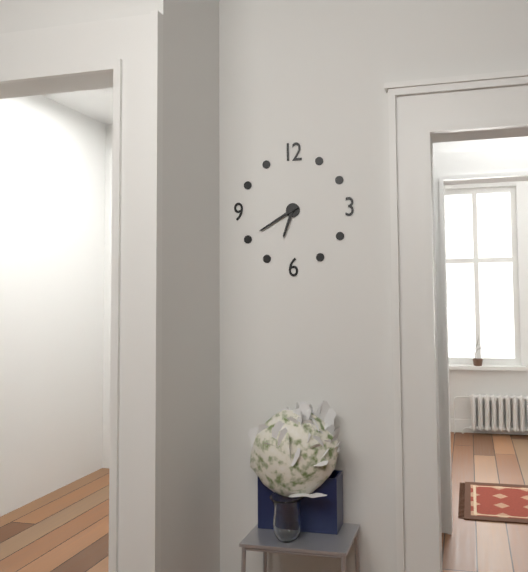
6:40
